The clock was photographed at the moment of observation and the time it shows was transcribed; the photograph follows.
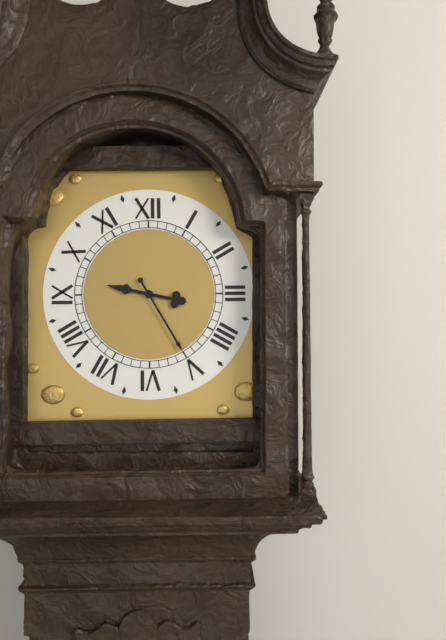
9:25
